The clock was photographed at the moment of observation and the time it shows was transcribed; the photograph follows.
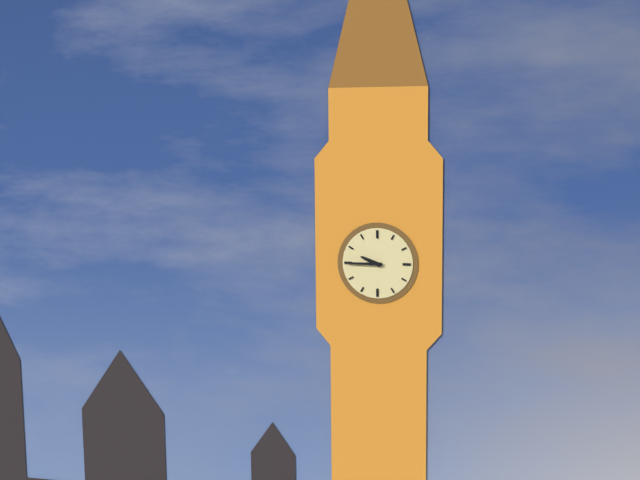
9:45
